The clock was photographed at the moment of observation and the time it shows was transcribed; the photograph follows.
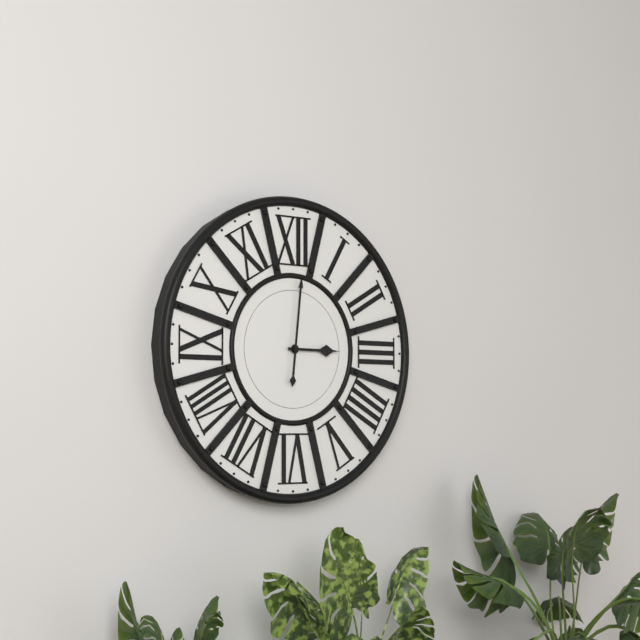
3:01
